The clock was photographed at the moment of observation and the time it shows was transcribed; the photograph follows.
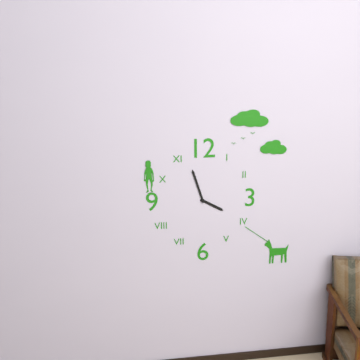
3:57
